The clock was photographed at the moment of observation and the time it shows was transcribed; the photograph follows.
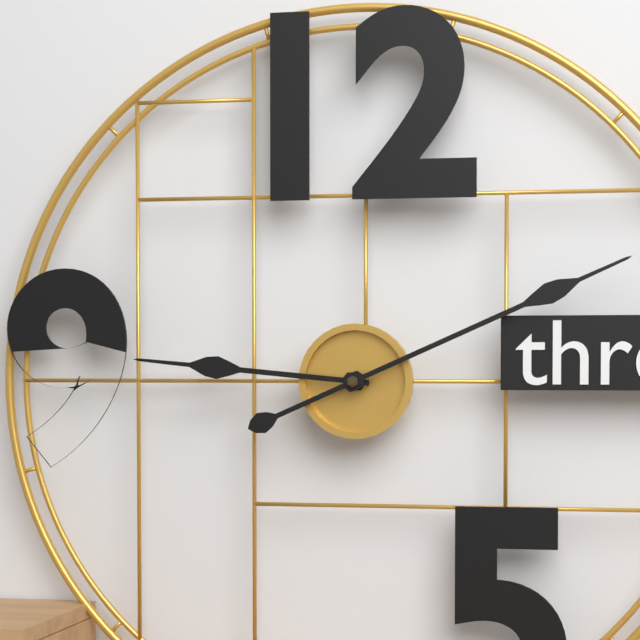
9:11
